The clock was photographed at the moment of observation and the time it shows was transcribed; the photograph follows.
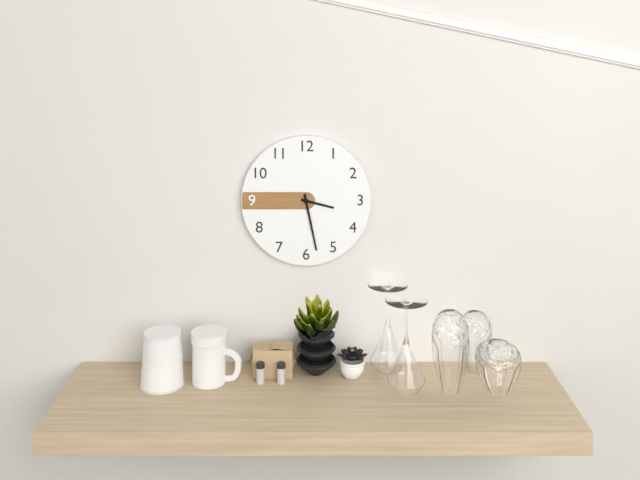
3:28
